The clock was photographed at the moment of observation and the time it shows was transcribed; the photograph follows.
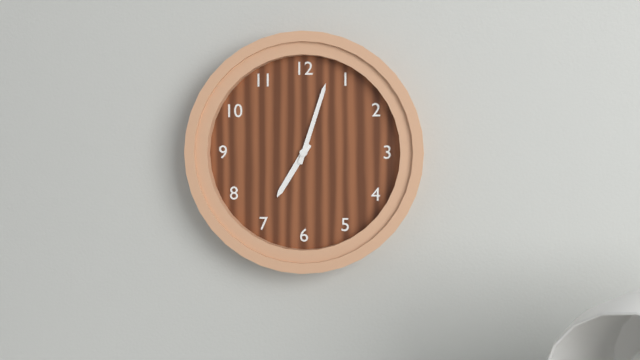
7:03
